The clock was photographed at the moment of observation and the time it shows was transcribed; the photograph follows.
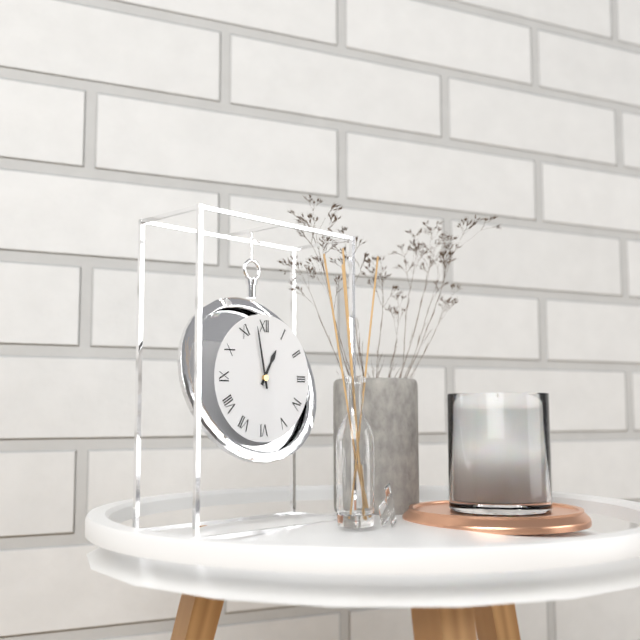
12:58
